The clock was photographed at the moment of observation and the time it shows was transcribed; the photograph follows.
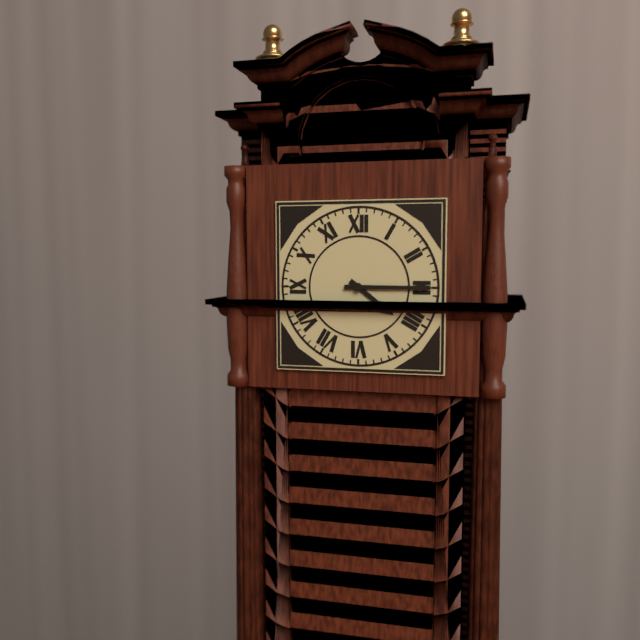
4:15
